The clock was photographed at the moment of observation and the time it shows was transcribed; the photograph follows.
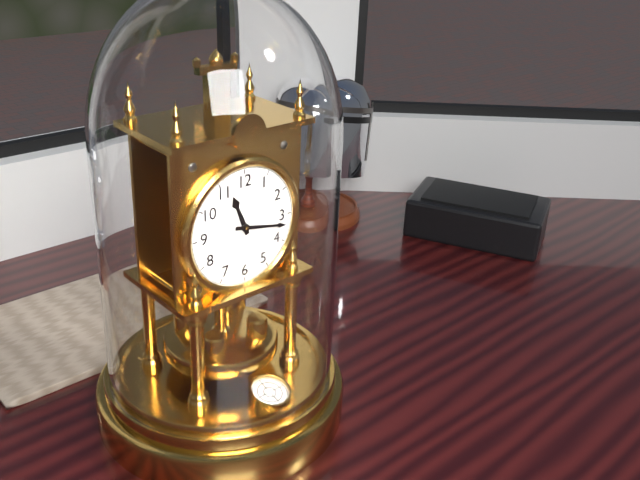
11:17
